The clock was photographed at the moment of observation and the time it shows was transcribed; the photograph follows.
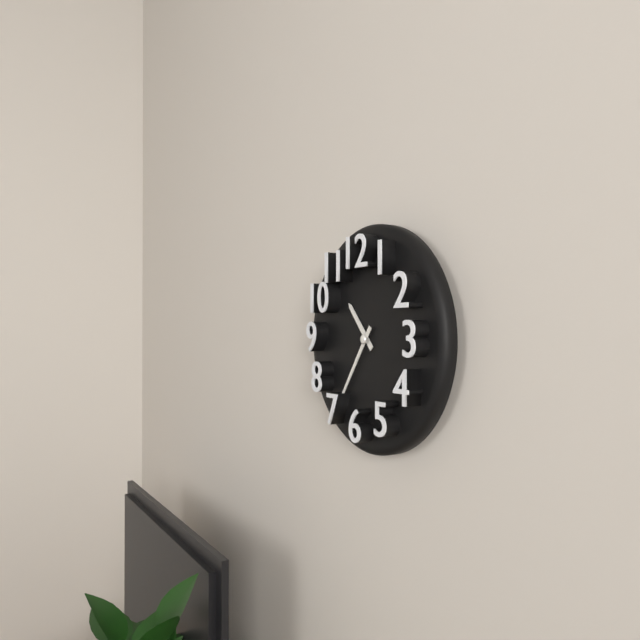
10:36
